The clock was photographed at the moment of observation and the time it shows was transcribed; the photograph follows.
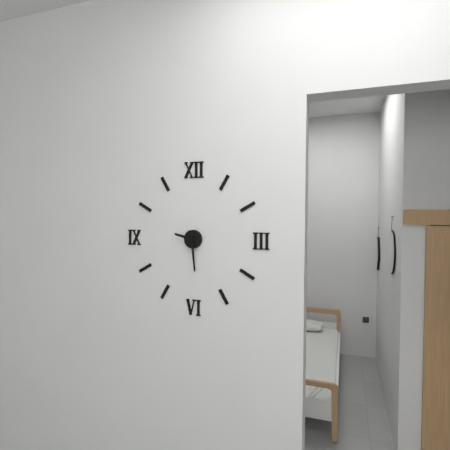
9:29
